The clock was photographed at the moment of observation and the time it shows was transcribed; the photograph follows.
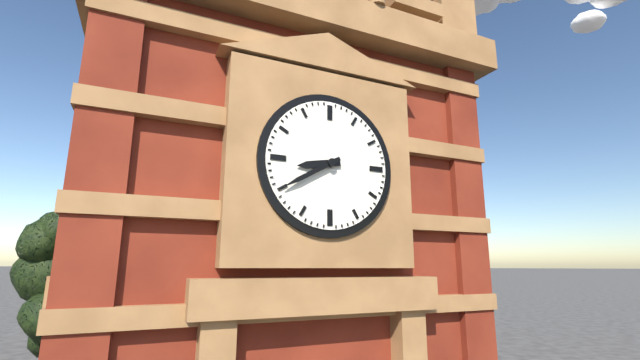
8:40
